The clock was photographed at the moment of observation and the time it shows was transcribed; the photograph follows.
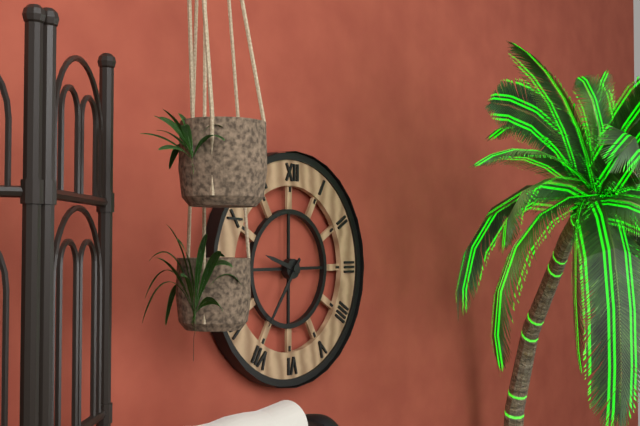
9:36
